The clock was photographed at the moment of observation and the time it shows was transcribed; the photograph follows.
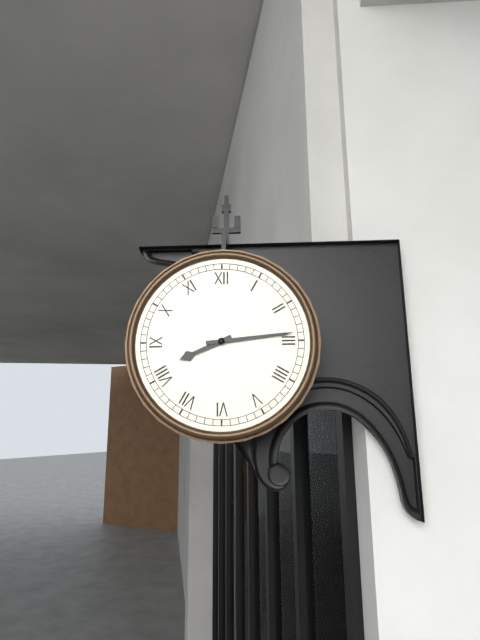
8:14
